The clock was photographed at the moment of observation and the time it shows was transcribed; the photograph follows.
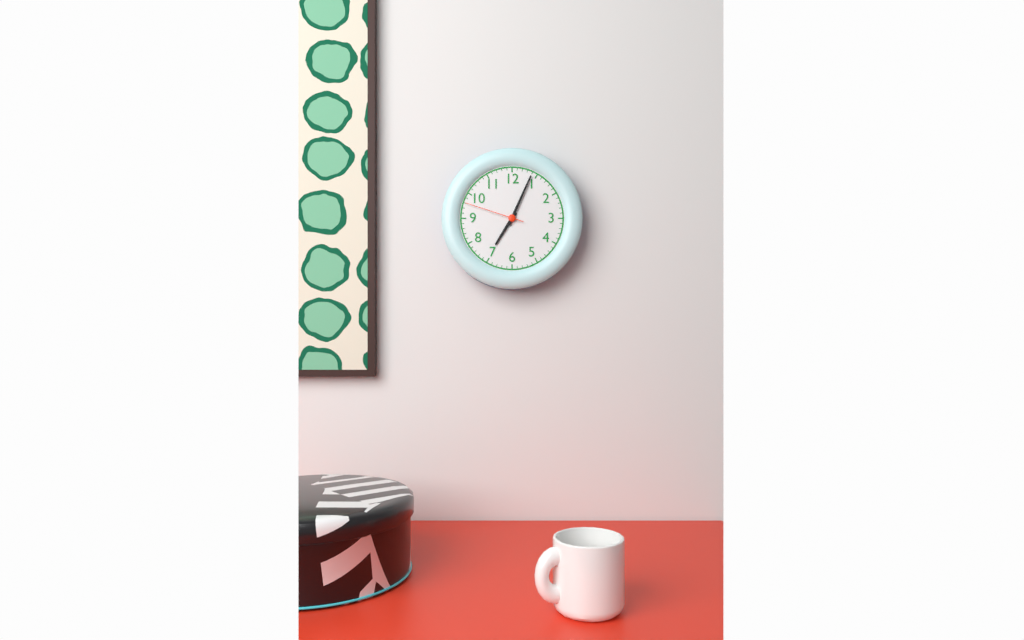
7:04:48
